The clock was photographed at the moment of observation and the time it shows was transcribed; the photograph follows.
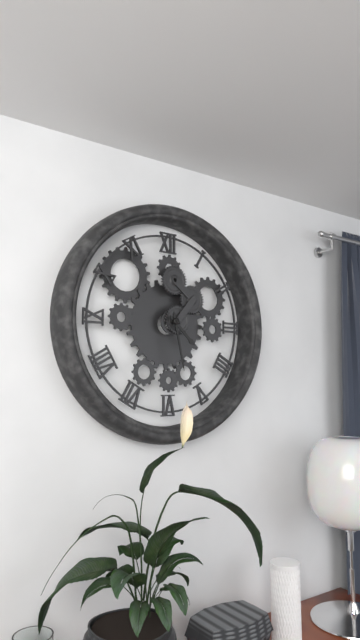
4:28
